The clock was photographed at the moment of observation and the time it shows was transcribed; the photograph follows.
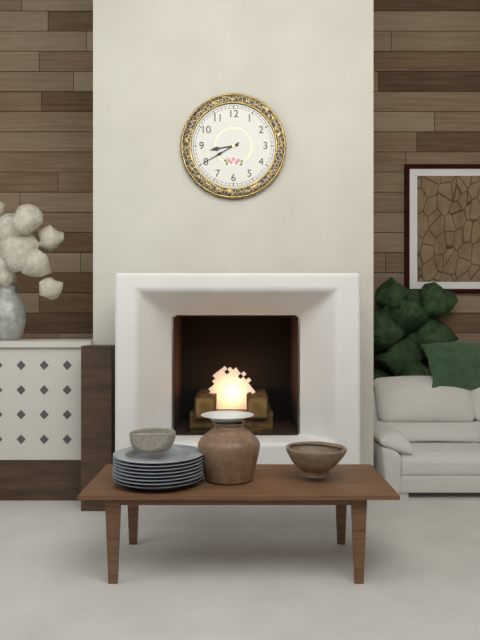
8:40
